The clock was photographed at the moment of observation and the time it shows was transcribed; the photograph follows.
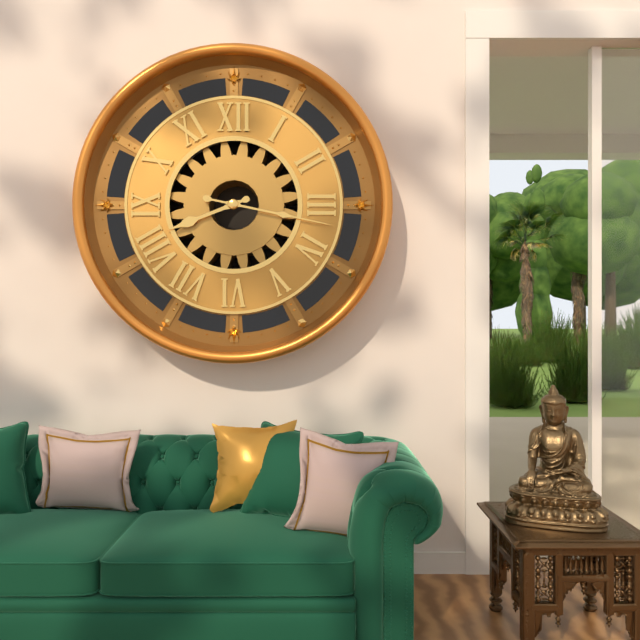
8:17
